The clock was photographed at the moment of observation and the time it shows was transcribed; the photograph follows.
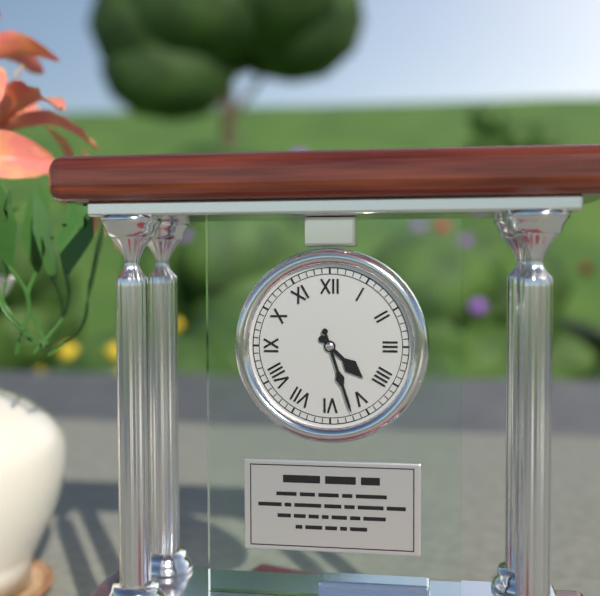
4:27
